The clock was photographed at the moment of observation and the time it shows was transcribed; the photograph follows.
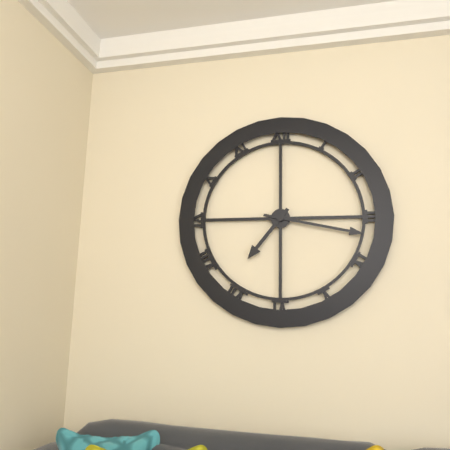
7:17
